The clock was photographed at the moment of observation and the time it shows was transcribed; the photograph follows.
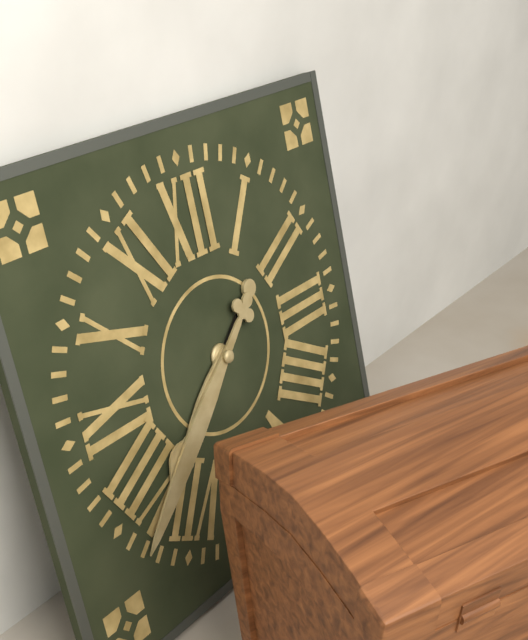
7:38
